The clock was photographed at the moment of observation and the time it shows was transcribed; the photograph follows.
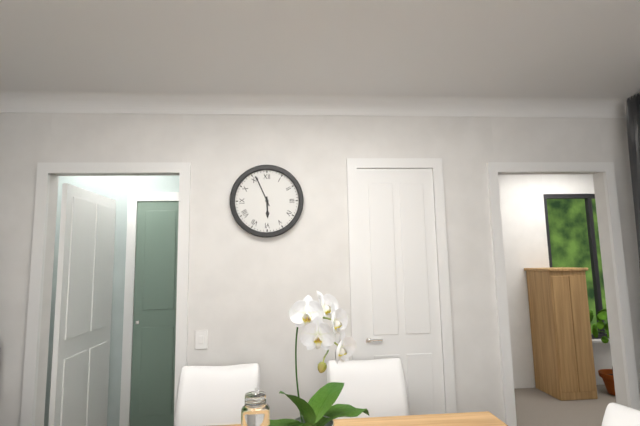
5:56
